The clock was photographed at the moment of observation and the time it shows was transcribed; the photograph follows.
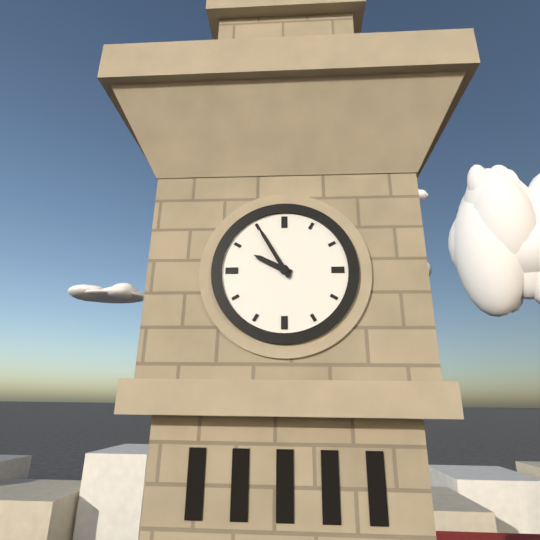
9:55
